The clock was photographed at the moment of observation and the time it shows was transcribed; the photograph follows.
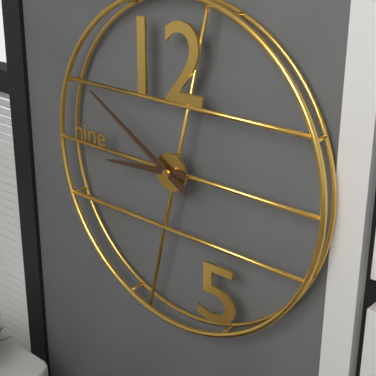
8:50
